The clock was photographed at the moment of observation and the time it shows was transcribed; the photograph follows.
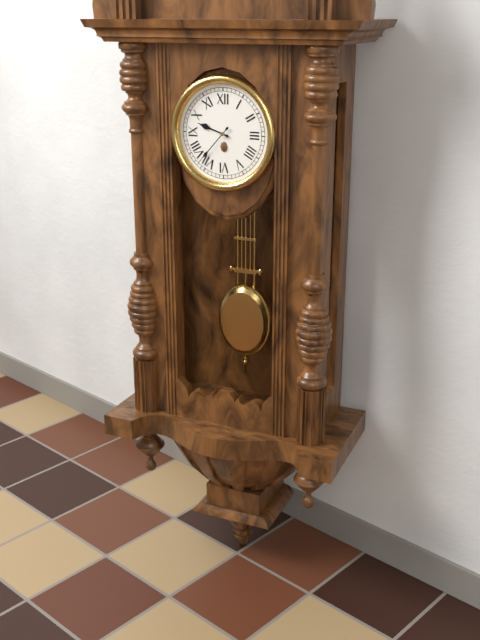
9:37
